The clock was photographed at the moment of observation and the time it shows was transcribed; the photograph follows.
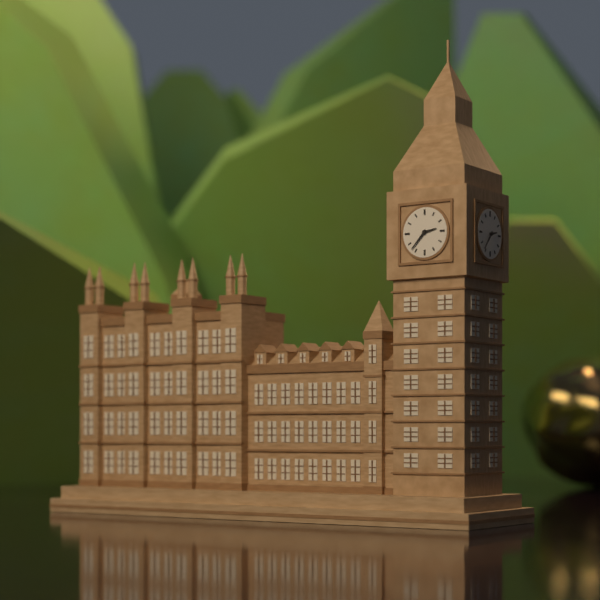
2:37
